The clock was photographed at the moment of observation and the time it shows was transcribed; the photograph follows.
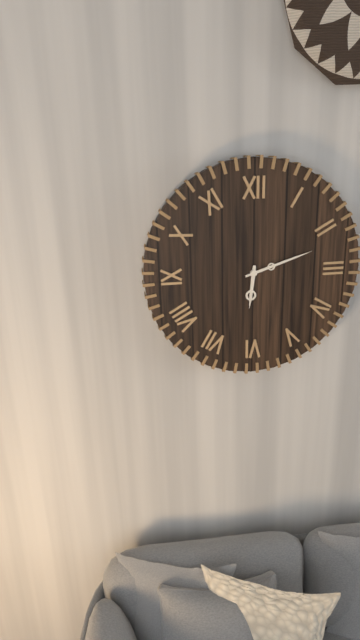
6:12
